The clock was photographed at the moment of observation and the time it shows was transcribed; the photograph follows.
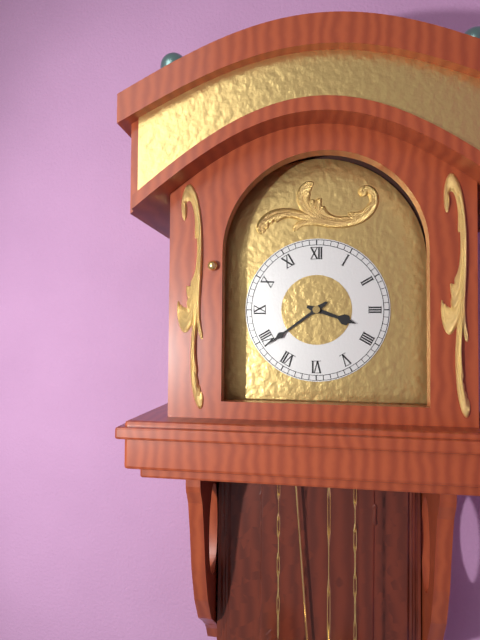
3:39
